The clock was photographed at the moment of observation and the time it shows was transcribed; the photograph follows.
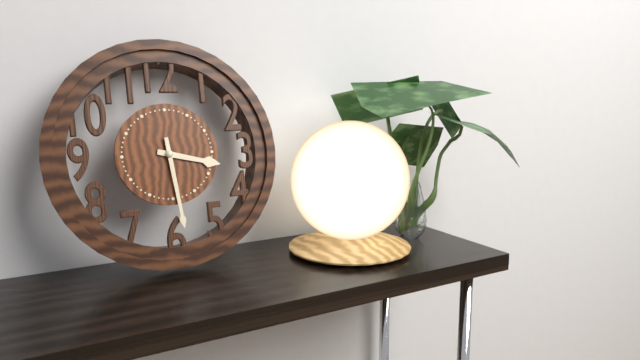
3:29
